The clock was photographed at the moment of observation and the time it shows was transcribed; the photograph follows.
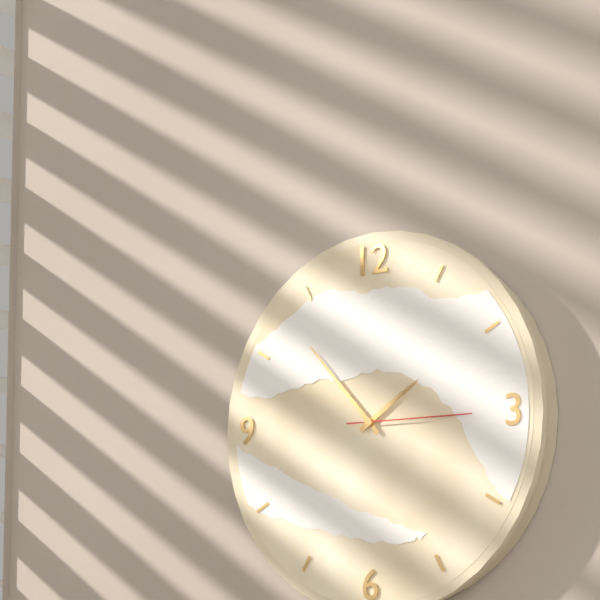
1:53:15
